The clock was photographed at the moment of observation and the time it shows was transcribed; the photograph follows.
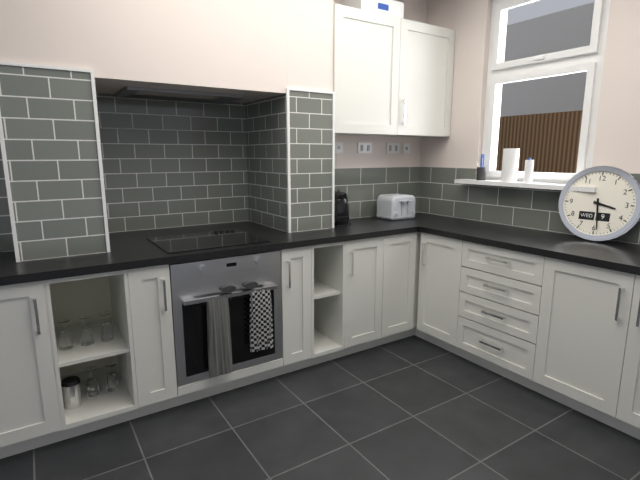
3:29
